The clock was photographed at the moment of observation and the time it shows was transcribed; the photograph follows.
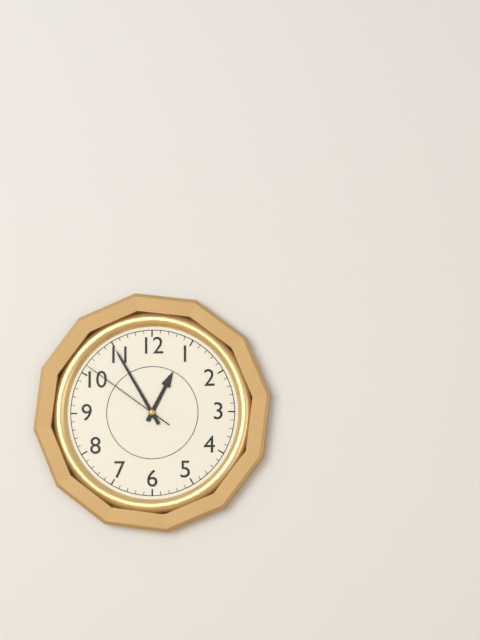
12:55:51
